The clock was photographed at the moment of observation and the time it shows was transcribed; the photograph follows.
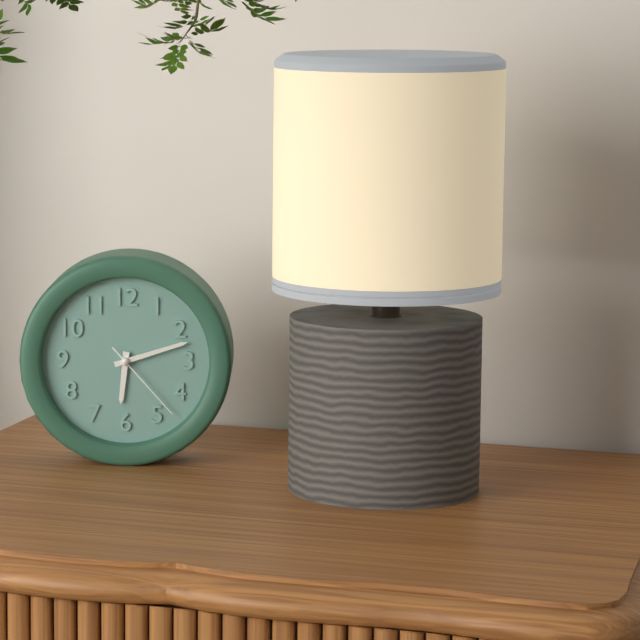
6:12:23
